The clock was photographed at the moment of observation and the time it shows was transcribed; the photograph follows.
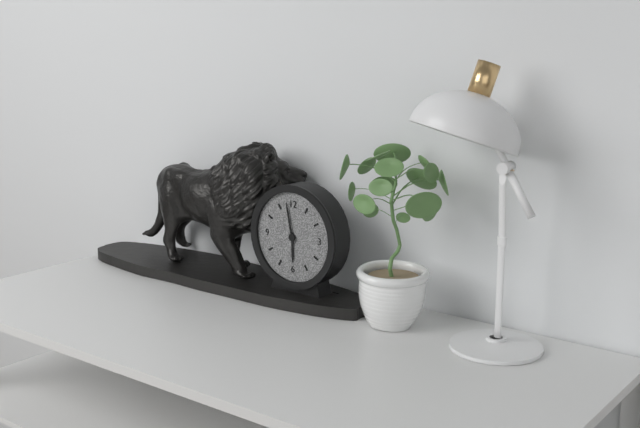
5:58
